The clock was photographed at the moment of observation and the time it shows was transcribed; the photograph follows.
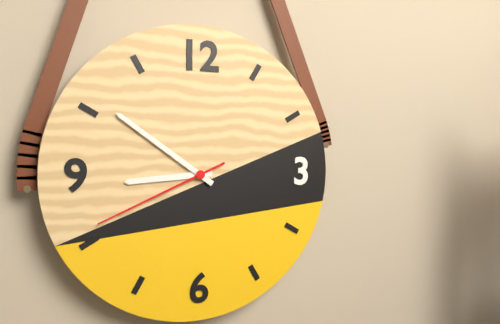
8:51:41
